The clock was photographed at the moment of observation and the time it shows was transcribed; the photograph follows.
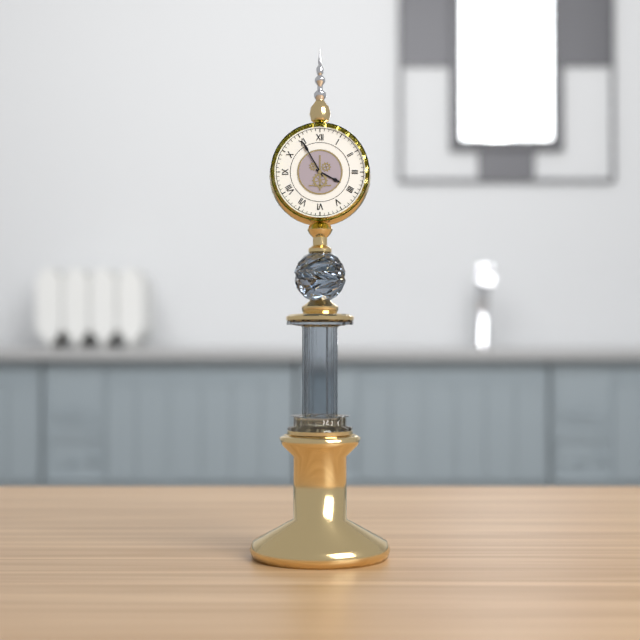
3:55
